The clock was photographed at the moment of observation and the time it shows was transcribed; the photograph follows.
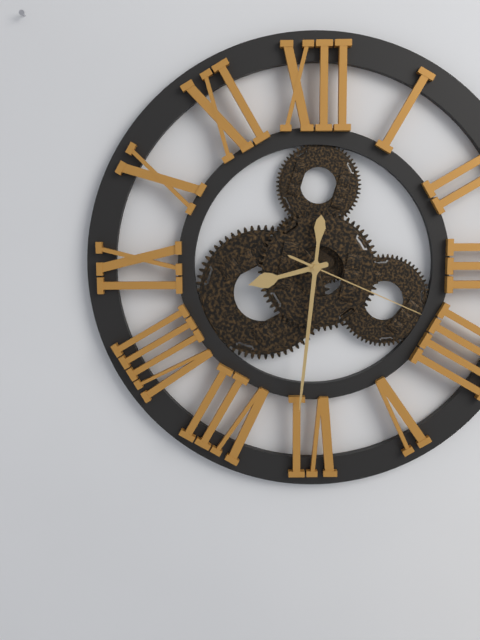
8:31:19
